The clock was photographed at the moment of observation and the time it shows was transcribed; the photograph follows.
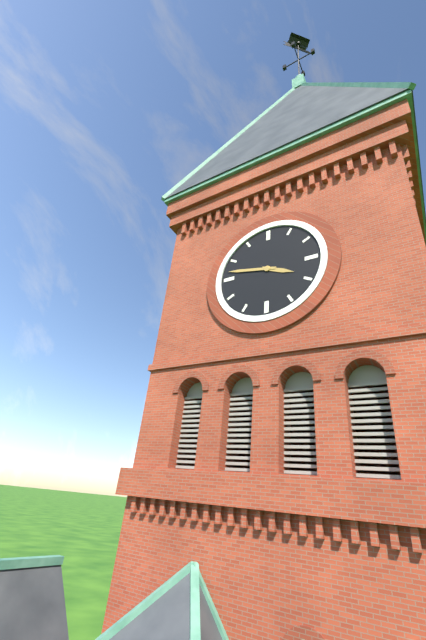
3:47
